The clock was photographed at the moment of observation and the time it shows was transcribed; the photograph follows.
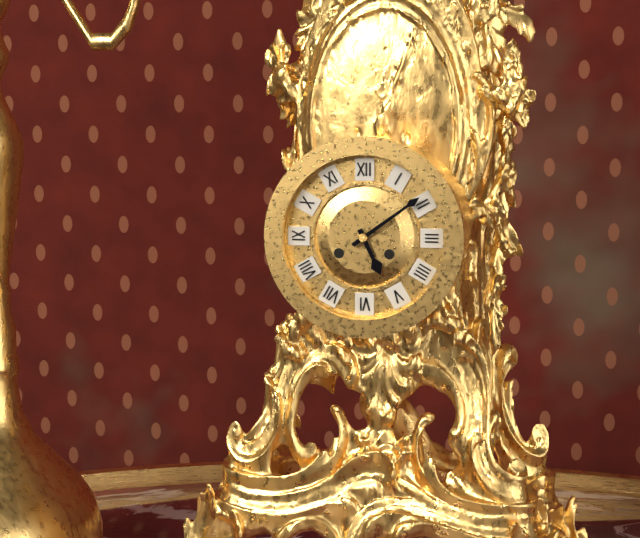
5:09
